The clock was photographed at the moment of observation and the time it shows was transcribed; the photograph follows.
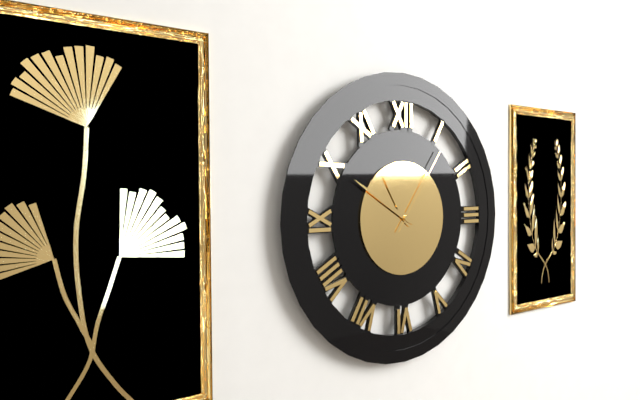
10:50:06
